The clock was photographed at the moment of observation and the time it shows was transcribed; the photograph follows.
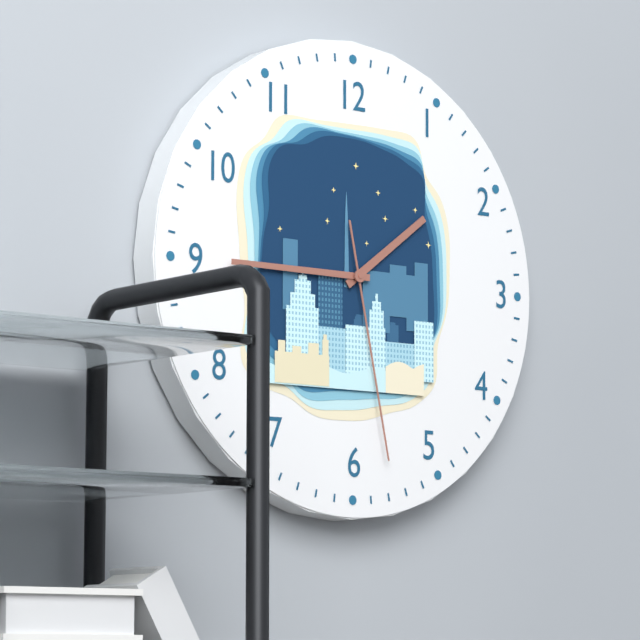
1:45:28
